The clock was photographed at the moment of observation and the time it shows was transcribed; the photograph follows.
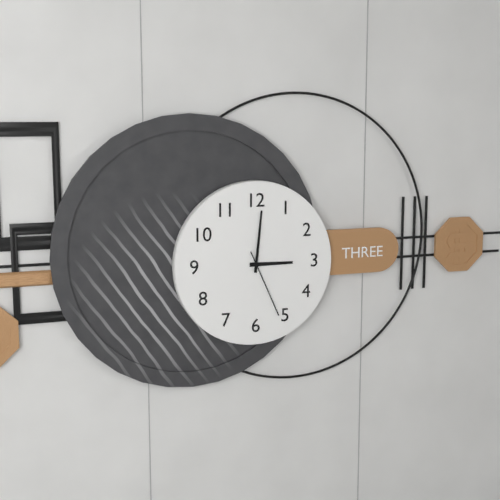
3:01:26
